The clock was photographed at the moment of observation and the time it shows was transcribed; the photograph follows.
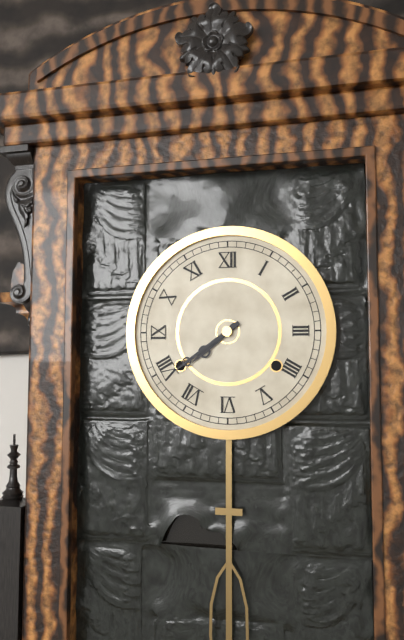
7:39
